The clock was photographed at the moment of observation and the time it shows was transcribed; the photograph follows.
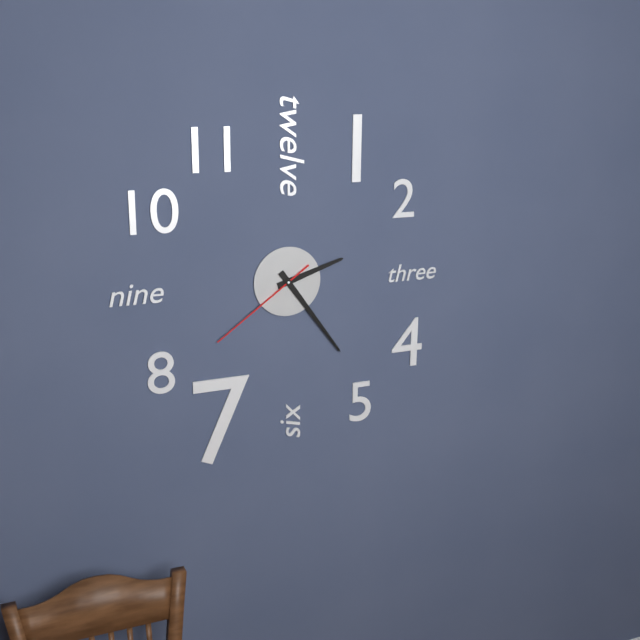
2:24:39
